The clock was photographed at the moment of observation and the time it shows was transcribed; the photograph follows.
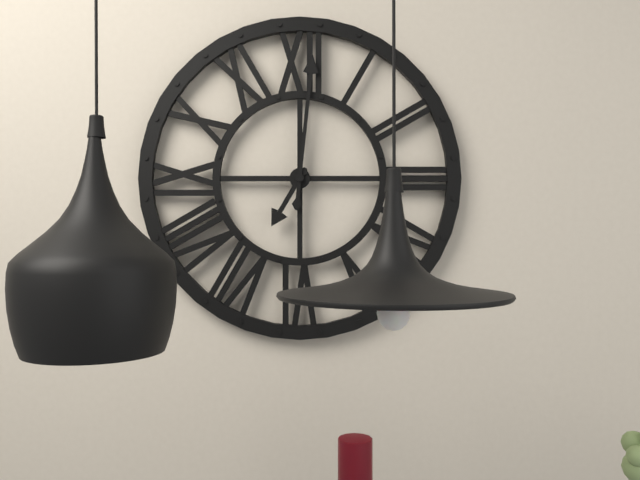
7:01
